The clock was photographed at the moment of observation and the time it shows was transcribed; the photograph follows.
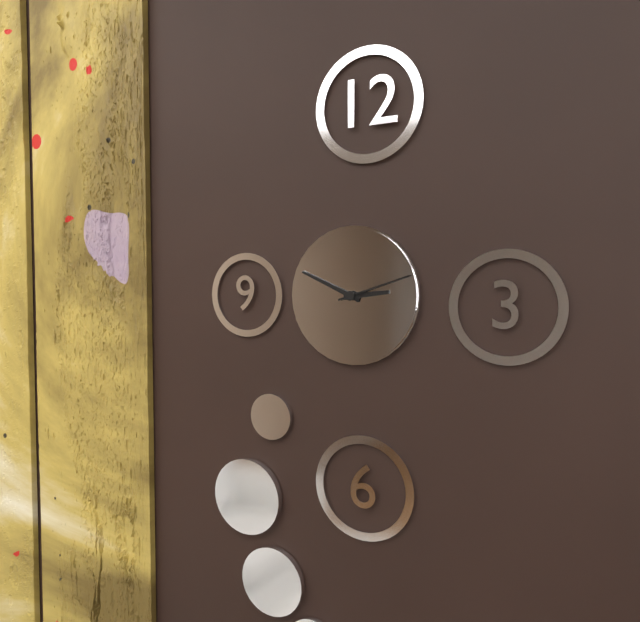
2:49:12
